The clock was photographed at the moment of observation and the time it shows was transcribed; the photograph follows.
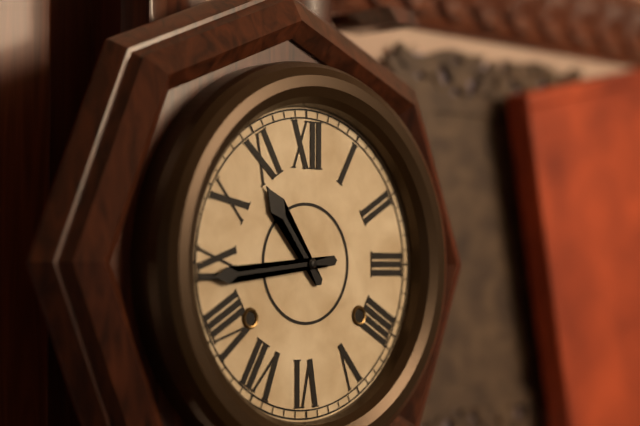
10:44
